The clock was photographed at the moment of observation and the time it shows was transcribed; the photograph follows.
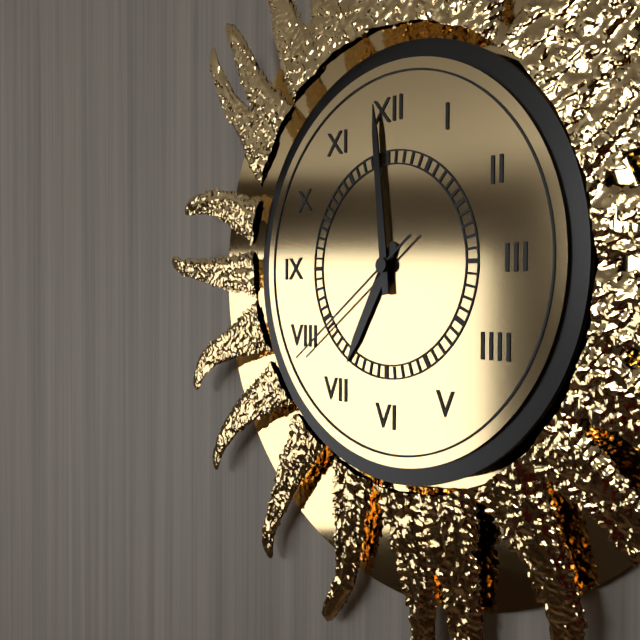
6:59:39
